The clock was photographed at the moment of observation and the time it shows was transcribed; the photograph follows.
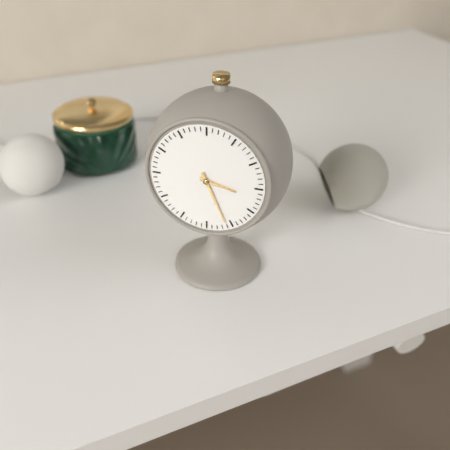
3:26
